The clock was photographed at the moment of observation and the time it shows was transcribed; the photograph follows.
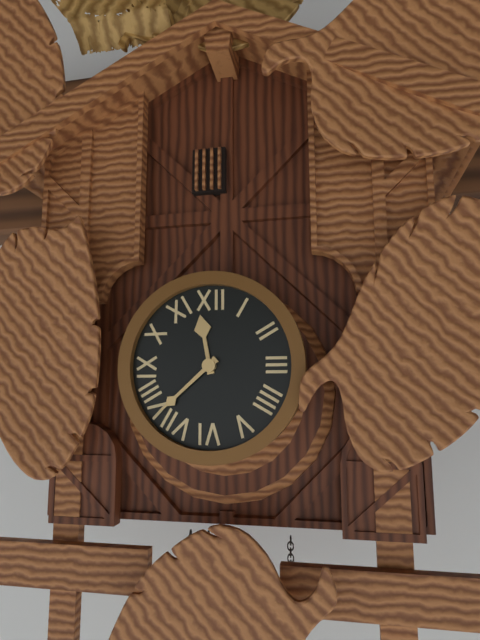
11:38
